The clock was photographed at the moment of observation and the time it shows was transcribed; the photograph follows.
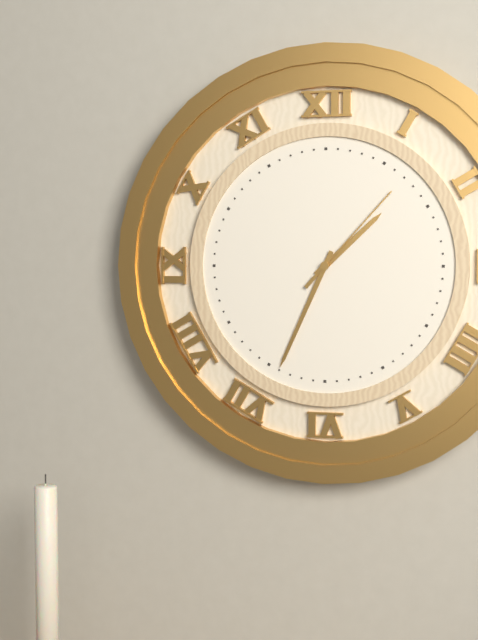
1:34:07
